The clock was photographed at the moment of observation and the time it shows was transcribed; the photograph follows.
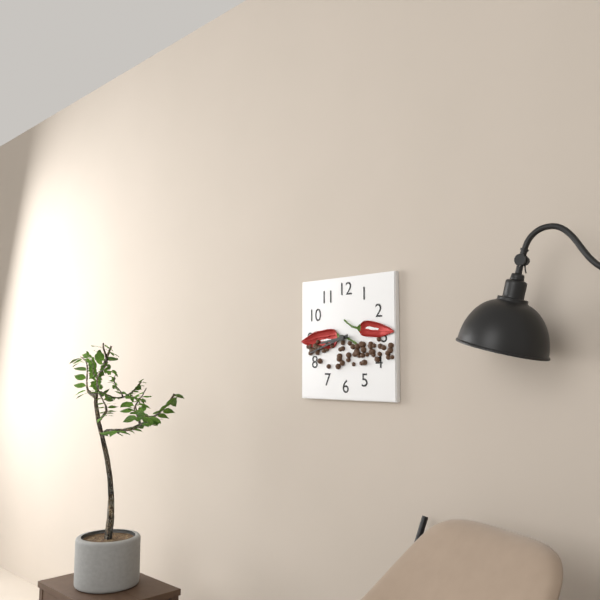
8:42
